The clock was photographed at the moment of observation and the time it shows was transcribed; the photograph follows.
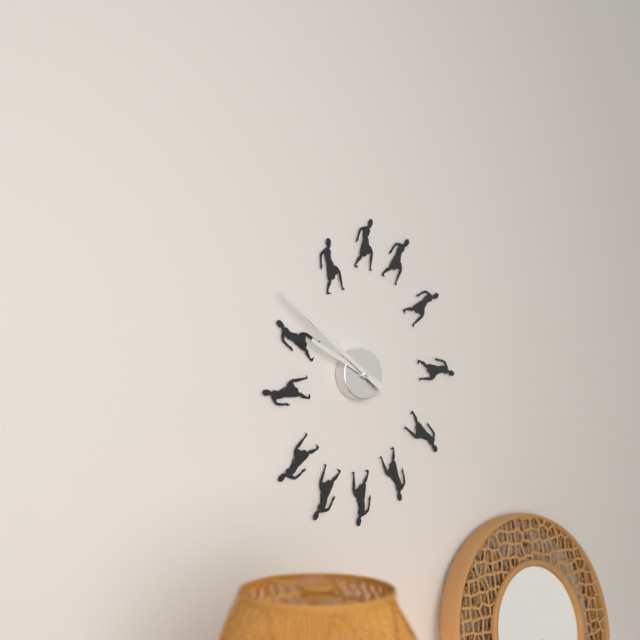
9:51
